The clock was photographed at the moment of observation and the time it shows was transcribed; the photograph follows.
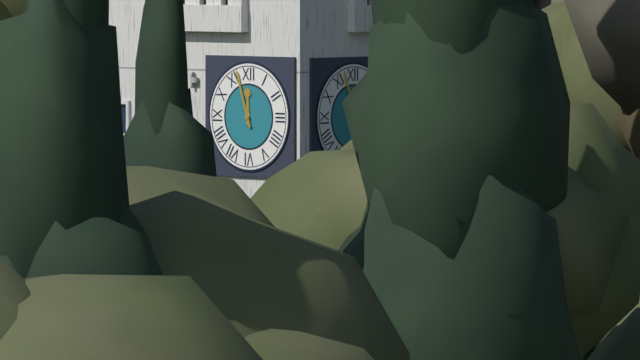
11:57
